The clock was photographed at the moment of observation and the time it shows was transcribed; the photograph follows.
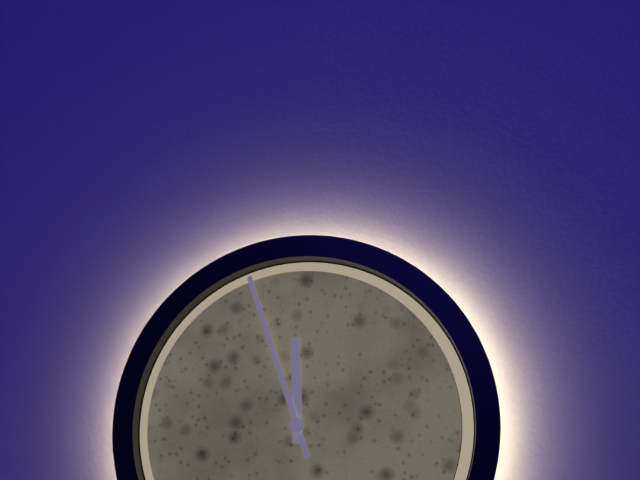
11:57
